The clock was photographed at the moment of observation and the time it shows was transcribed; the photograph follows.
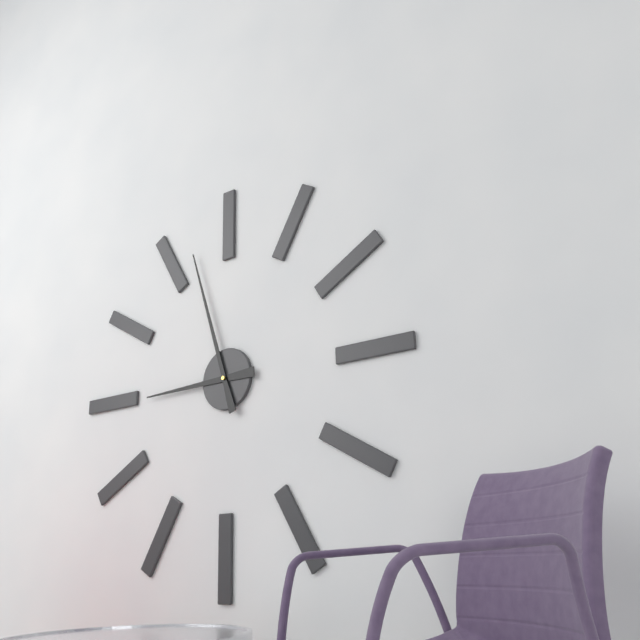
8:57
